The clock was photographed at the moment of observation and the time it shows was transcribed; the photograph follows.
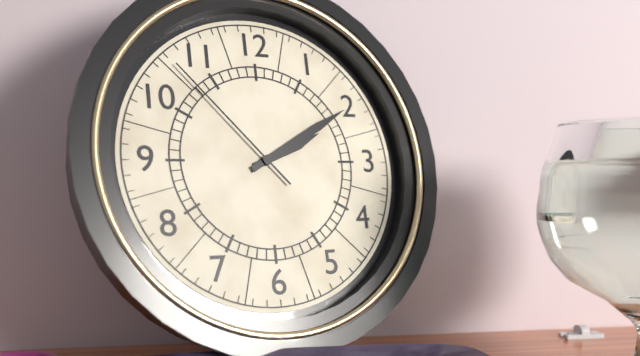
2:10:53
